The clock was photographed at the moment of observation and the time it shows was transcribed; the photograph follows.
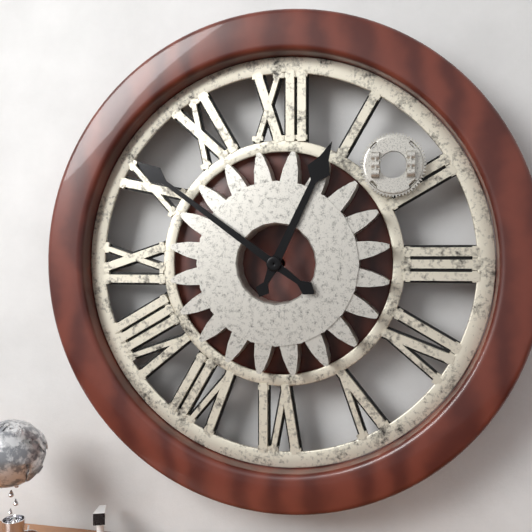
12:51
